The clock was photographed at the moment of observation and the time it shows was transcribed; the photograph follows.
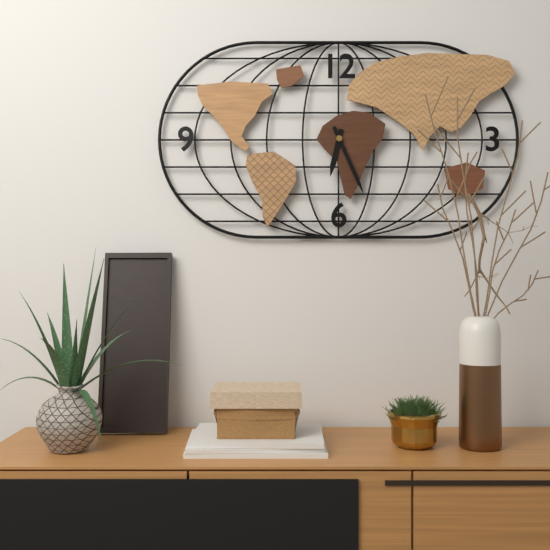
6:26
